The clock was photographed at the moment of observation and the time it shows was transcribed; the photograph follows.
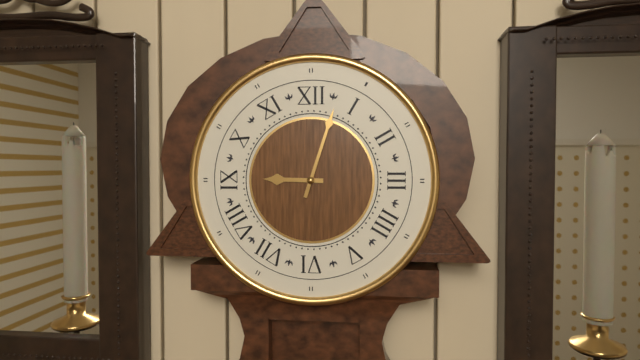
9:03
